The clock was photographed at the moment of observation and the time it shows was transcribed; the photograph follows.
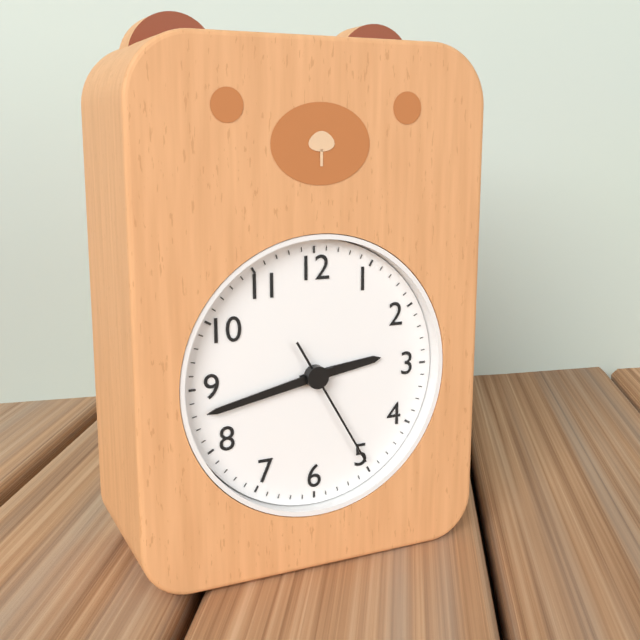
2:43:25
